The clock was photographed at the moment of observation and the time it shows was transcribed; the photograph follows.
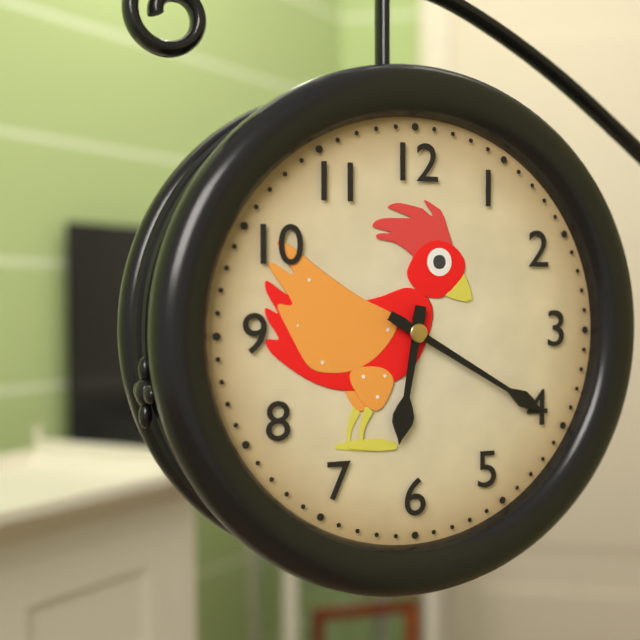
6:20
